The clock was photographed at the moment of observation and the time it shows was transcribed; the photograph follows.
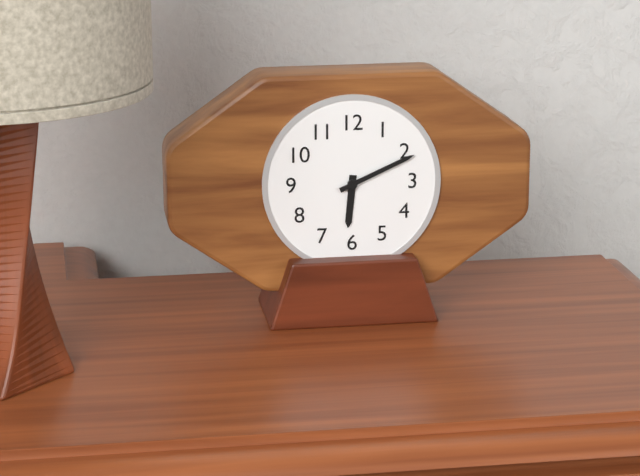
6:11
